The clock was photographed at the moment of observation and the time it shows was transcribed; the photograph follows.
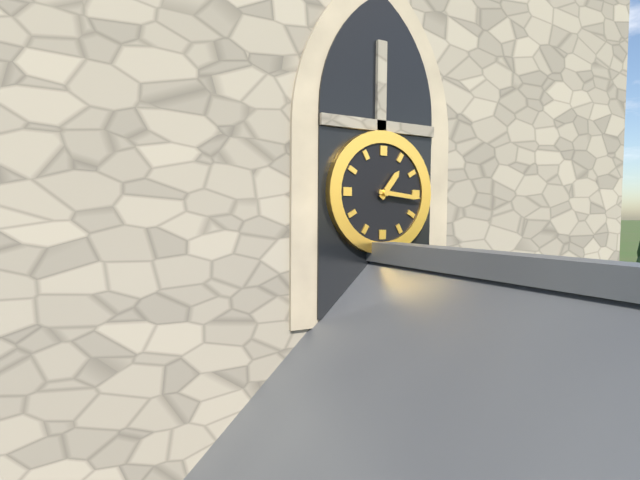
1:16
